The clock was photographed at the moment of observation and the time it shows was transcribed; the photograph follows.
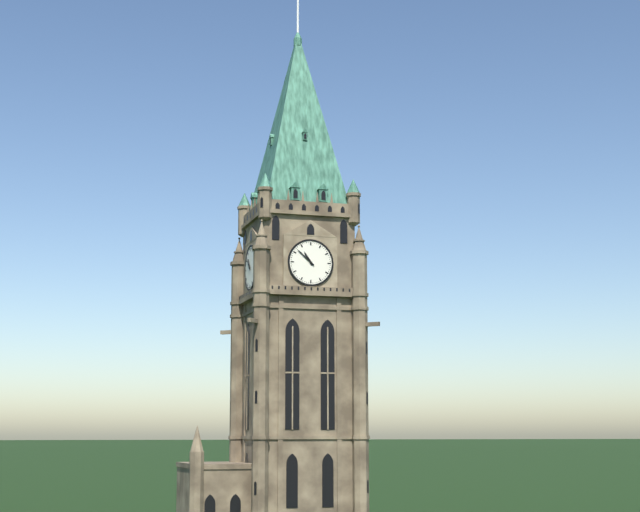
10:52
